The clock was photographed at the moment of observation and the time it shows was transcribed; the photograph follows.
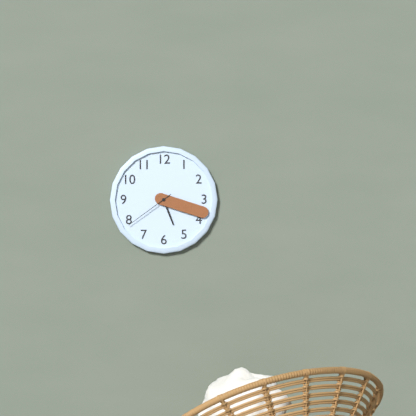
5:18:39
